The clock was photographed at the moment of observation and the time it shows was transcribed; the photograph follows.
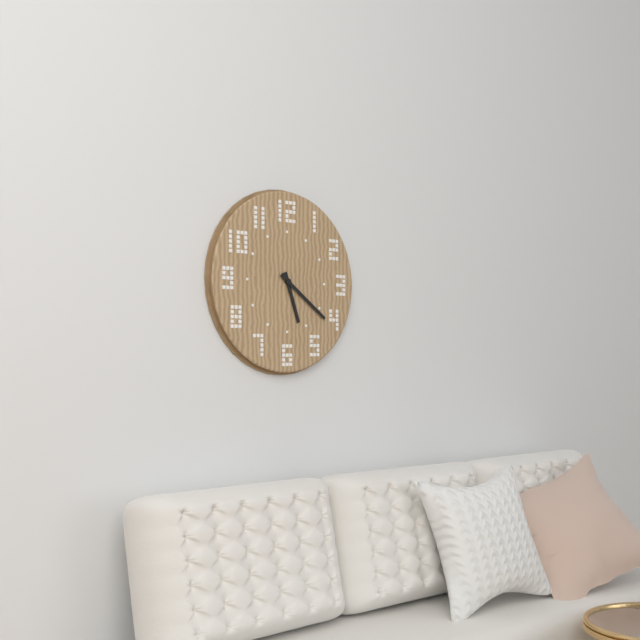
5:21
